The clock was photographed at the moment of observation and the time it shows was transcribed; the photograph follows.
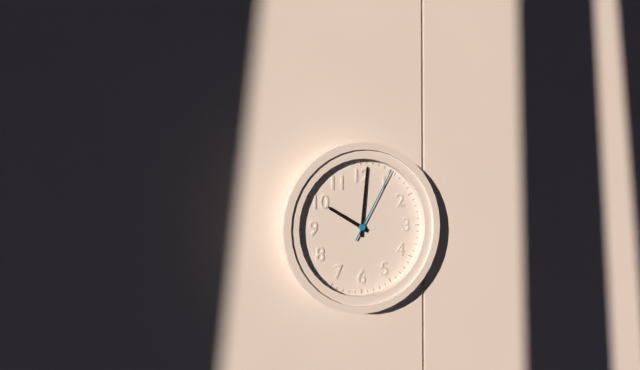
10:01:05
